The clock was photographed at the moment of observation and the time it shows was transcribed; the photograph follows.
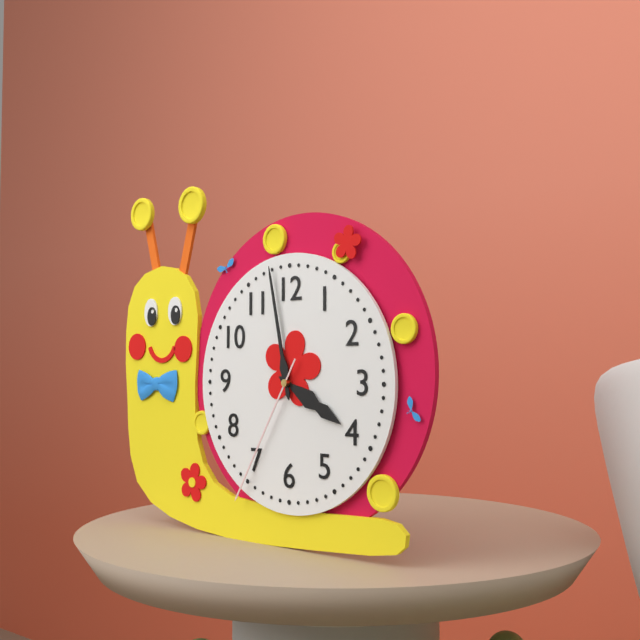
3:58:35
